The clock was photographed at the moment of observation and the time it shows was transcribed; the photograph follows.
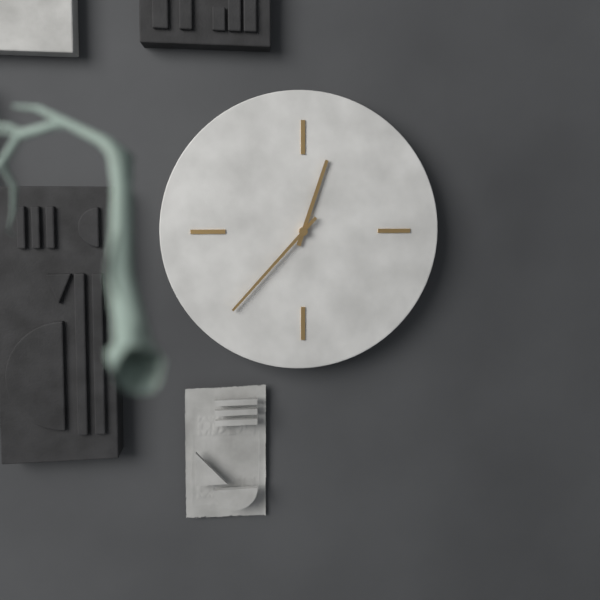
12:37
